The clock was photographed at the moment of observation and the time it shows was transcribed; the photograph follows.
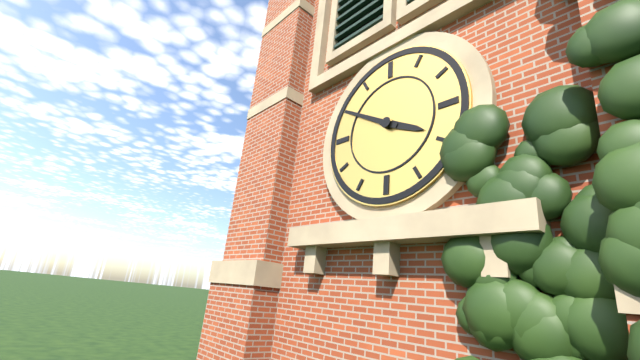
3:50
